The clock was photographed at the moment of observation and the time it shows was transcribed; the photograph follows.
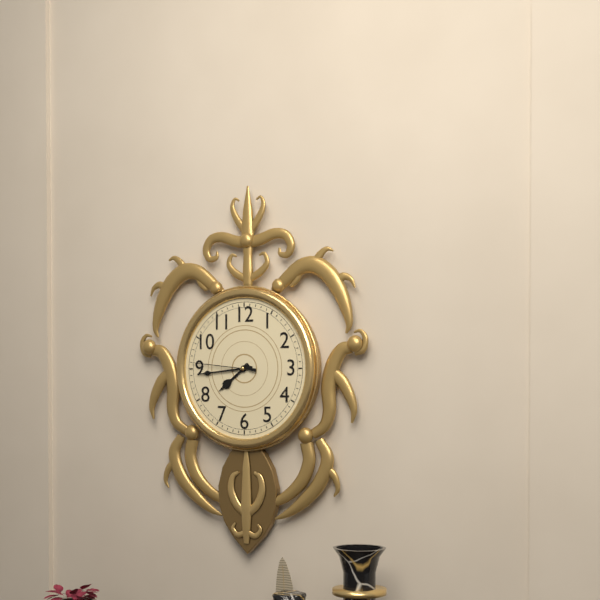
7:44:46
